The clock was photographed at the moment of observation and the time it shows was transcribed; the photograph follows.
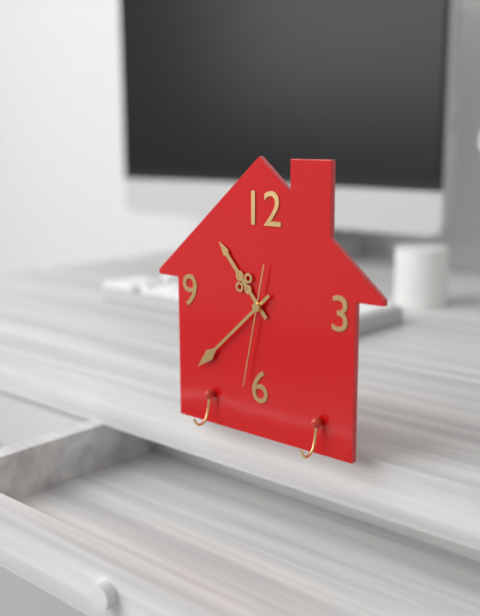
10:38:32
